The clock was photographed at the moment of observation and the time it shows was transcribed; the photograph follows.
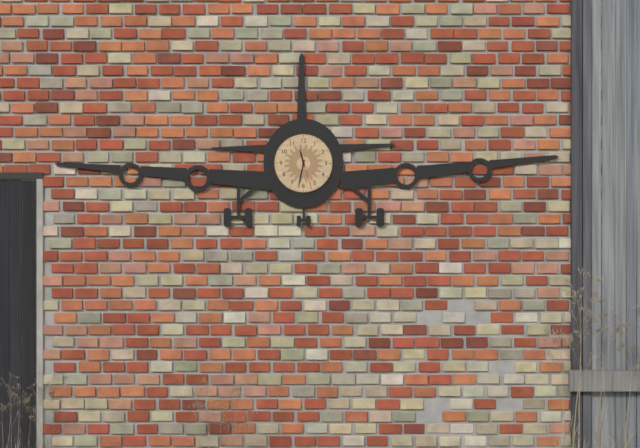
11:32
